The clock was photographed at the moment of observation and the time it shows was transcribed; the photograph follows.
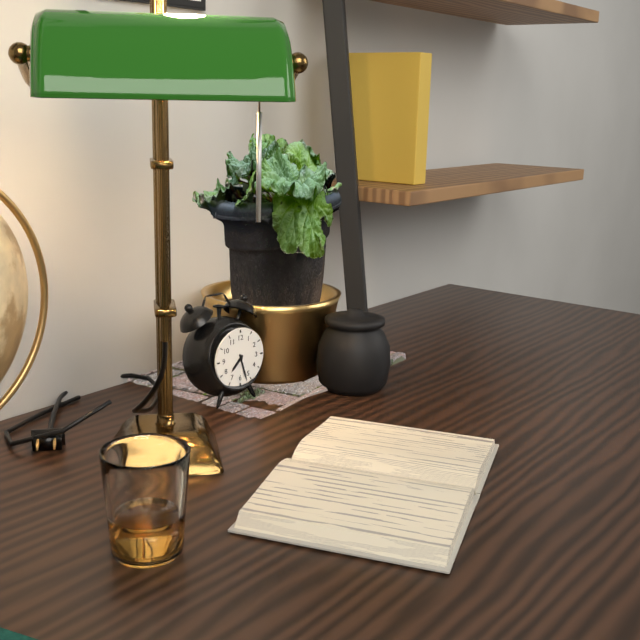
7:27
